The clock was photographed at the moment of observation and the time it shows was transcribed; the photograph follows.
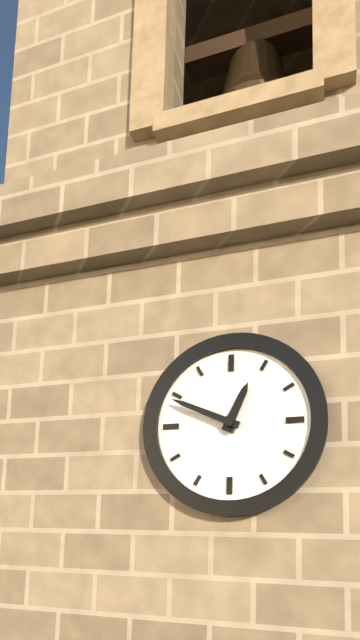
12:49
